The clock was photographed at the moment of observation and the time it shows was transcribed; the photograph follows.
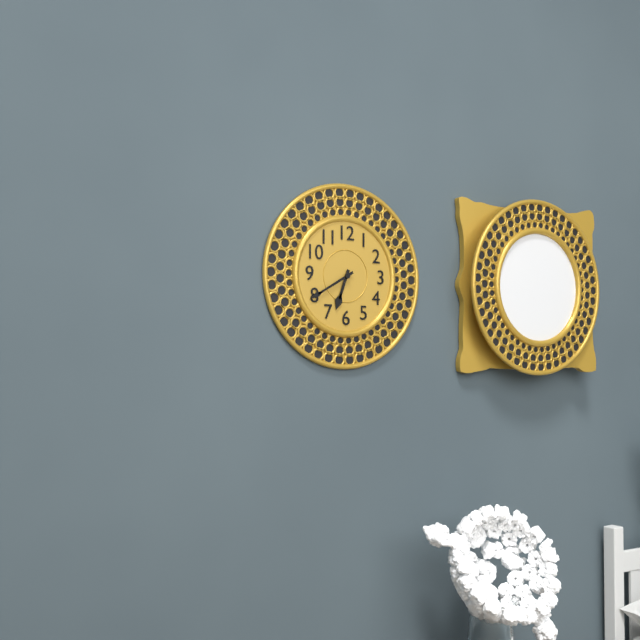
6:40
